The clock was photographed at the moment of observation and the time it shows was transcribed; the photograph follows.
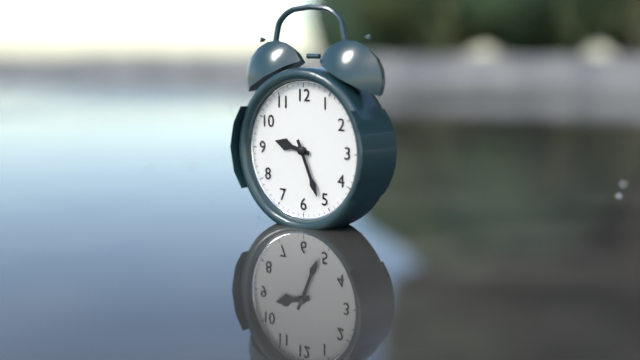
9:26
